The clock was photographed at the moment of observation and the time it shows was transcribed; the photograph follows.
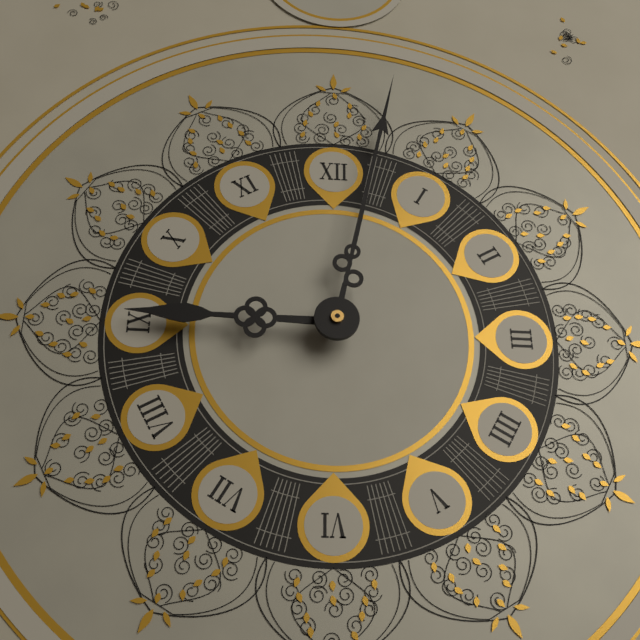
9:02
